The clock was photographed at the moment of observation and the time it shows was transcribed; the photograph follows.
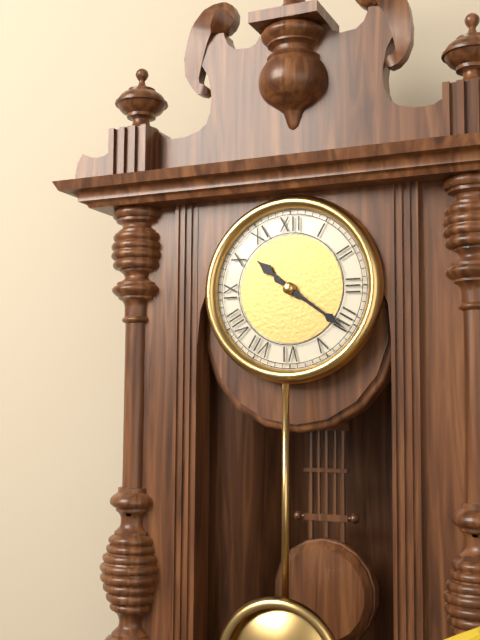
10:21
